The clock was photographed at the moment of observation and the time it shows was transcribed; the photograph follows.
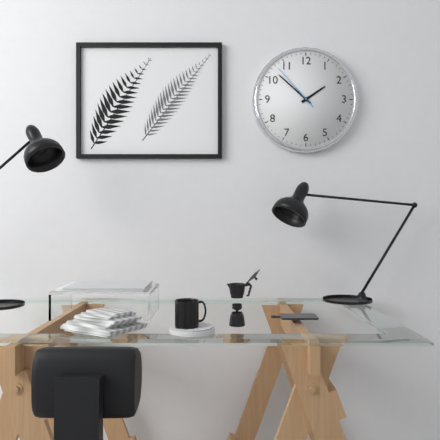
1:52:53
